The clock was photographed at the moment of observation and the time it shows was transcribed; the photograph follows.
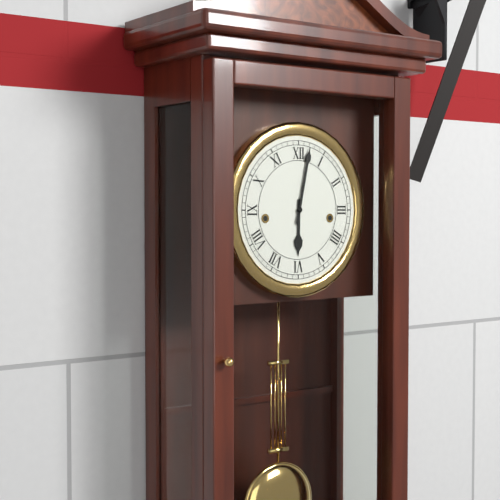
6:02
